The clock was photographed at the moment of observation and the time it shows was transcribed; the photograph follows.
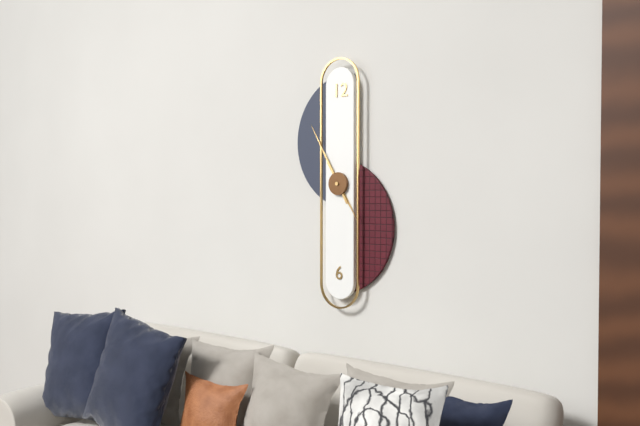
4:55
